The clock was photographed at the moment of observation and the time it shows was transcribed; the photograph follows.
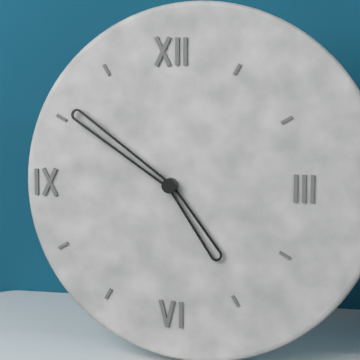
4:51
